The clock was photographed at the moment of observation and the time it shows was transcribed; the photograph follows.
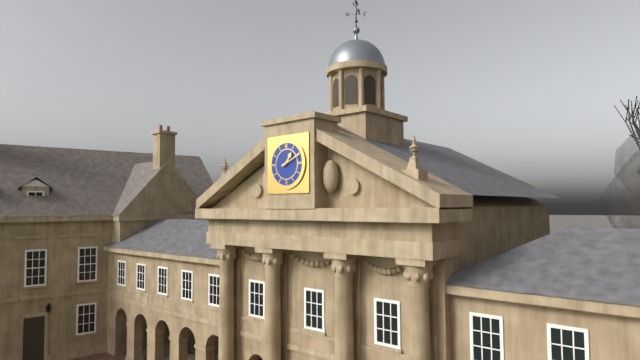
1:11
